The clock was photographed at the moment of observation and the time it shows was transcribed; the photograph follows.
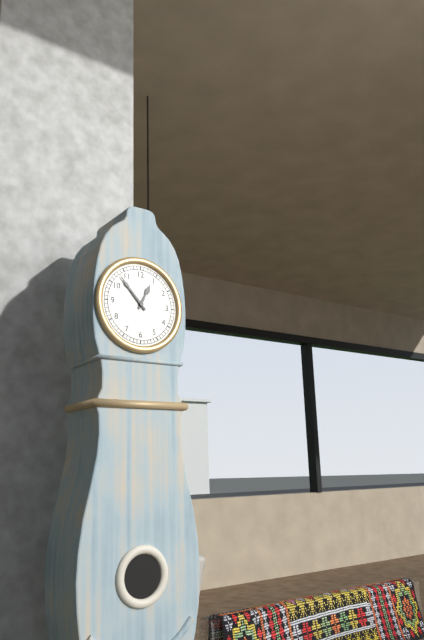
12:53
